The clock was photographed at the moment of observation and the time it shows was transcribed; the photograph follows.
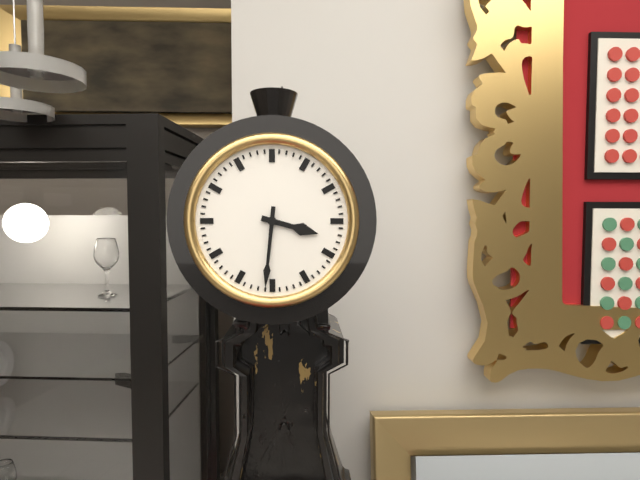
3:31
